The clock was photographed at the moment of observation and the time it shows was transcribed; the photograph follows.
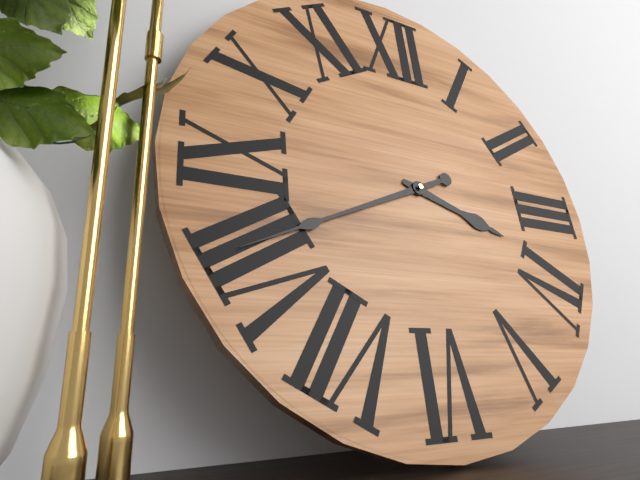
3:41
